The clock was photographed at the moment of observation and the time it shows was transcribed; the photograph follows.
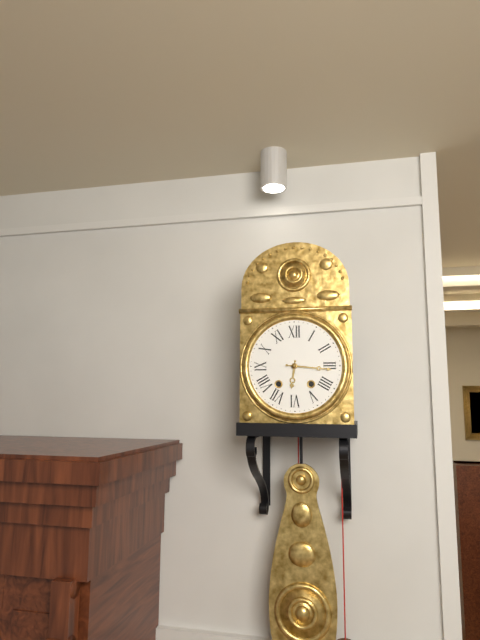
6:16
